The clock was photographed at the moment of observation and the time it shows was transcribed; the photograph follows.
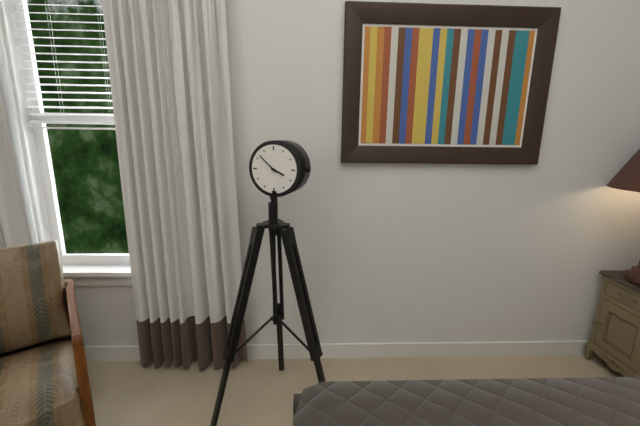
3:52
